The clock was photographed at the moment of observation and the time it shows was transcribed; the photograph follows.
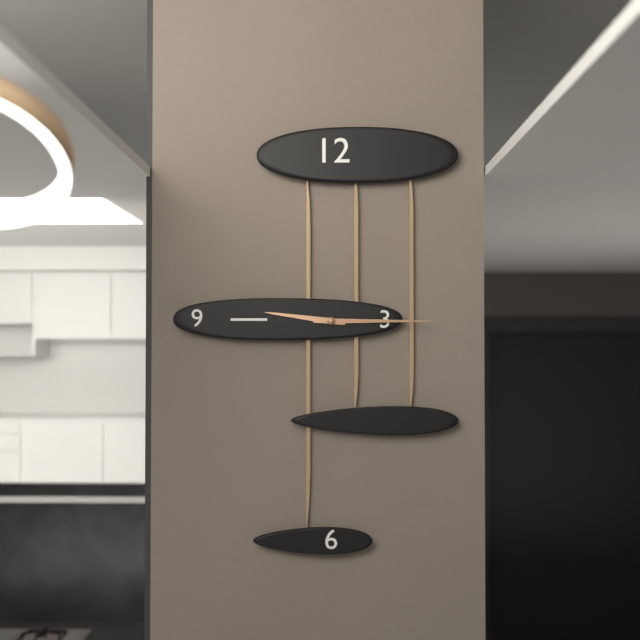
9:15
